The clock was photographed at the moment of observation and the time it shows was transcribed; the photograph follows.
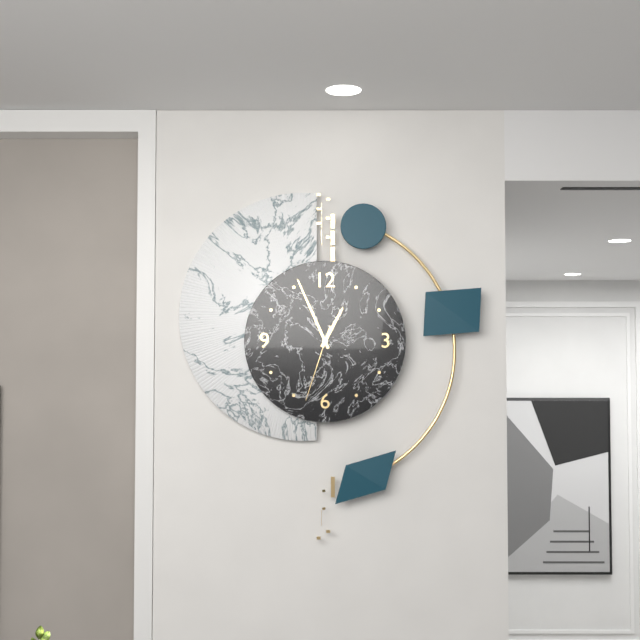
12:56:33
